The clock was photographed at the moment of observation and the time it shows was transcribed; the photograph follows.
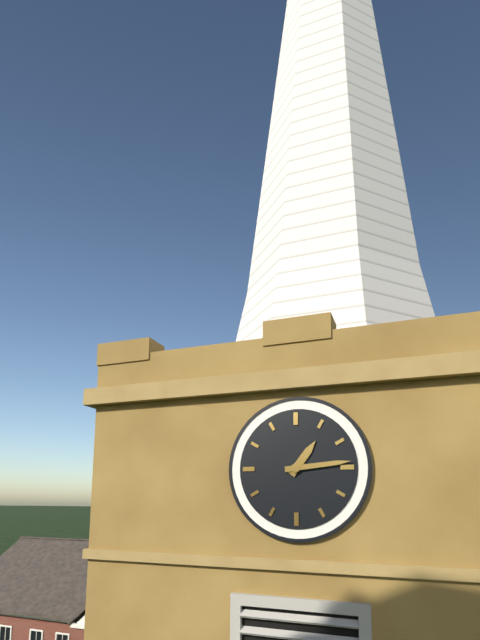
1:14
